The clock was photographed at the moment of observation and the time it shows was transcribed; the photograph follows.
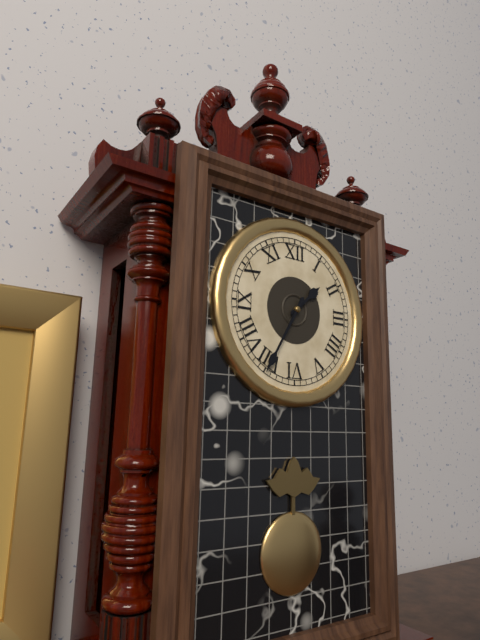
1:35
